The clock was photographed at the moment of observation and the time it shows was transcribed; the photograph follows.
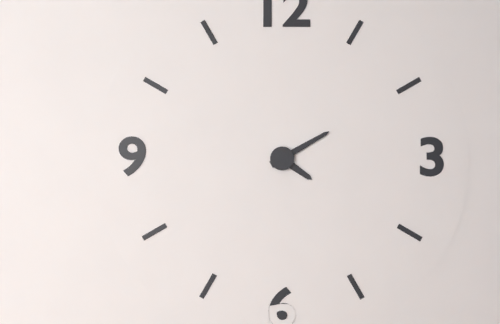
4:10
